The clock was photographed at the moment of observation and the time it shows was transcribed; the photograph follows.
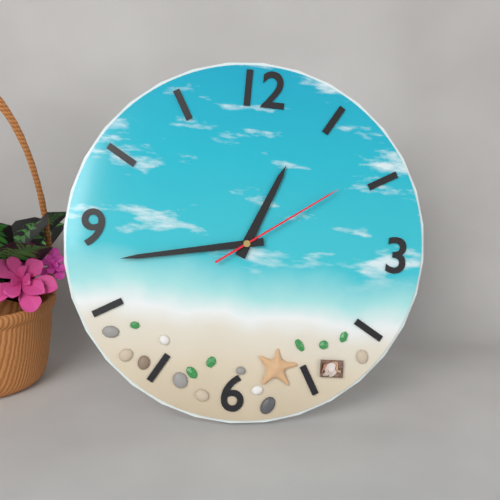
12:43:09
